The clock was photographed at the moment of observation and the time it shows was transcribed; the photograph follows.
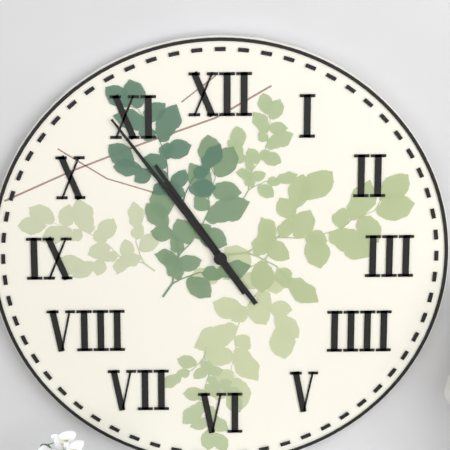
10:54
